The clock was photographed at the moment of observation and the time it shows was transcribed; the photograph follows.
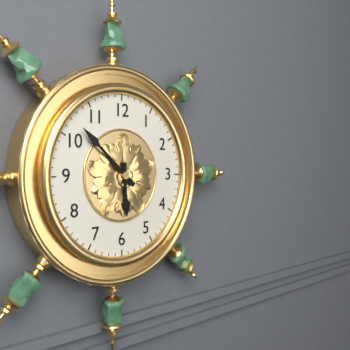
5:52
